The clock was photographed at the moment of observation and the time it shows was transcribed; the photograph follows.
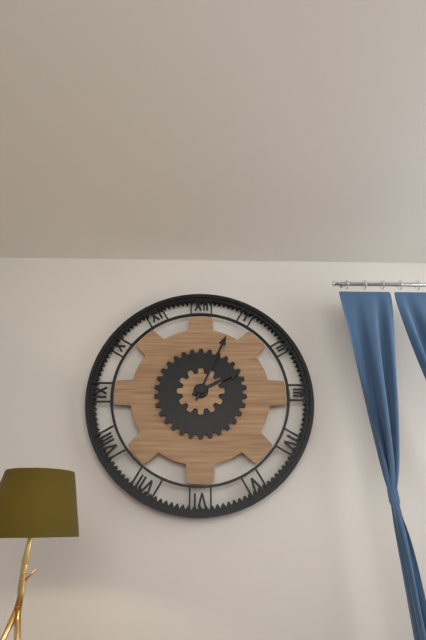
2:04
